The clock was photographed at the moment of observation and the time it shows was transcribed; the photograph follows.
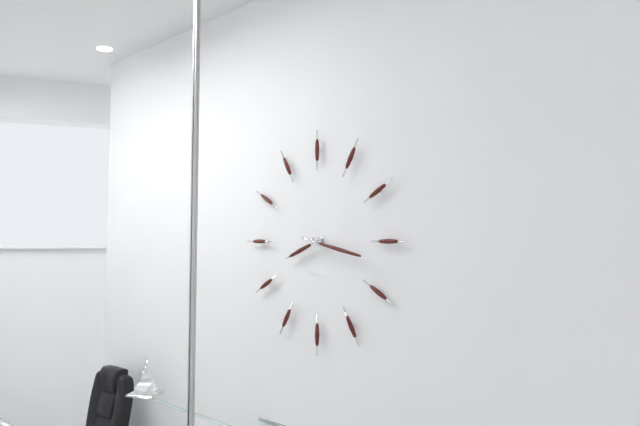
8:17
